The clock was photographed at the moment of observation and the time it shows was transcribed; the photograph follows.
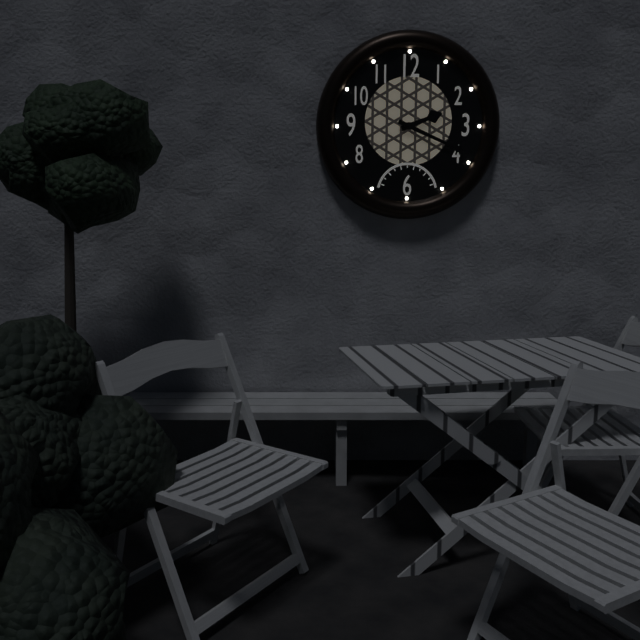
2:19
